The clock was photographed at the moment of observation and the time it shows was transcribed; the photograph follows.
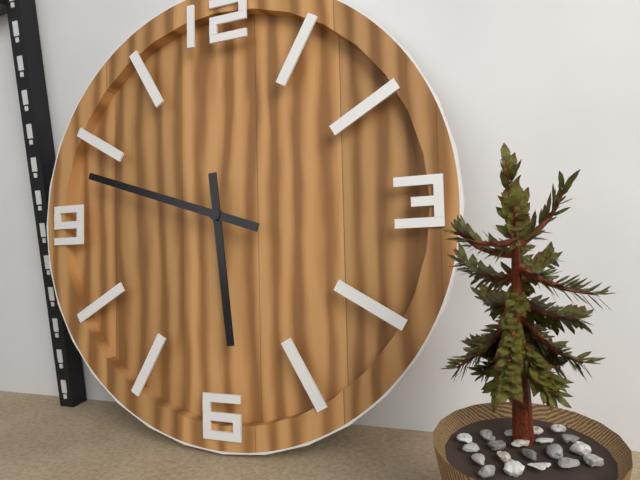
5:48
